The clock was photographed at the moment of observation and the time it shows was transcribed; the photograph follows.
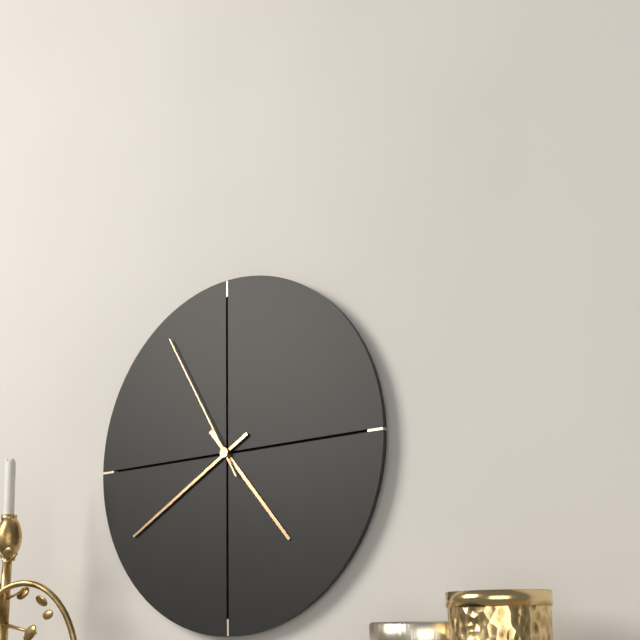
4:40:55
